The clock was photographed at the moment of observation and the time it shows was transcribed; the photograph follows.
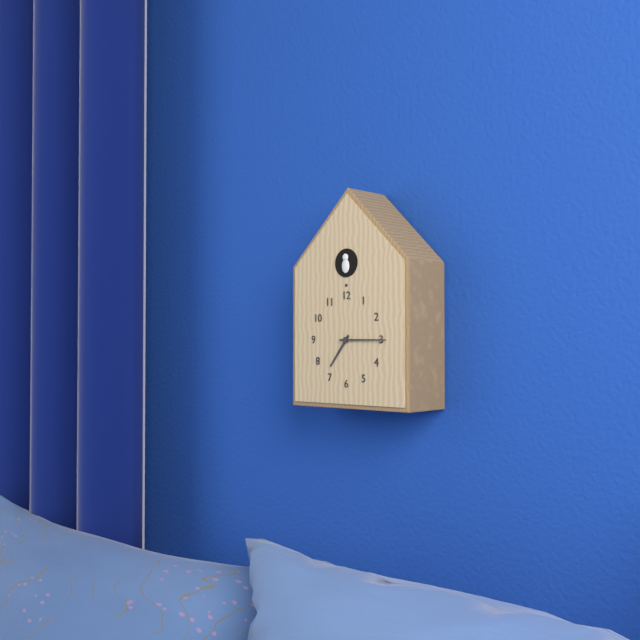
7:15
